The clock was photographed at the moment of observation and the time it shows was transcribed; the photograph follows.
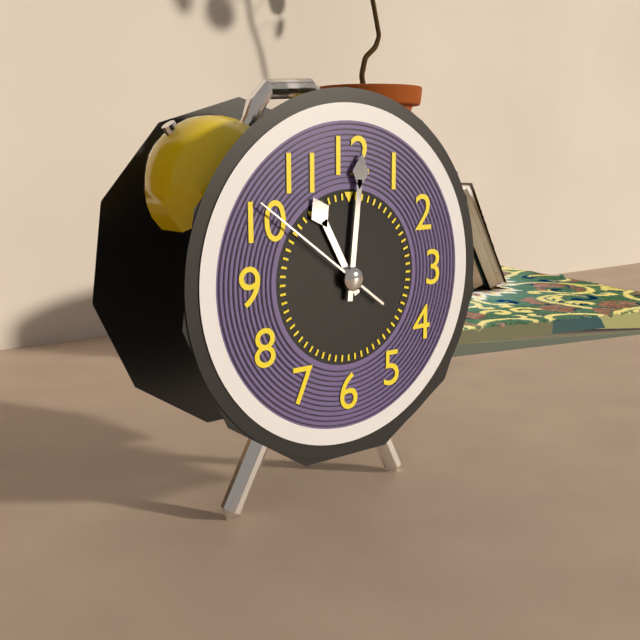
11:01:51
